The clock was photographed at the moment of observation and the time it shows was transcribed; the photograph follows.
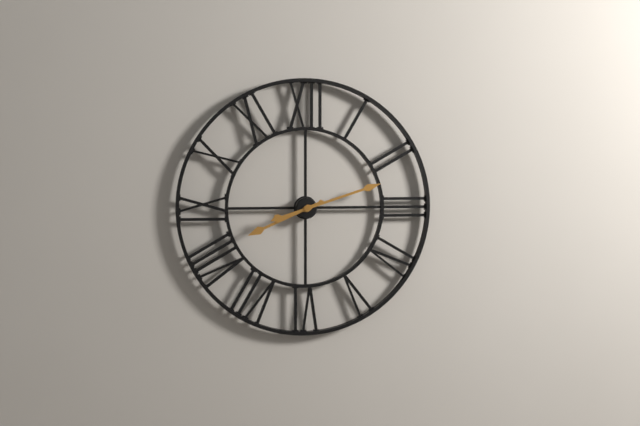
8:12
